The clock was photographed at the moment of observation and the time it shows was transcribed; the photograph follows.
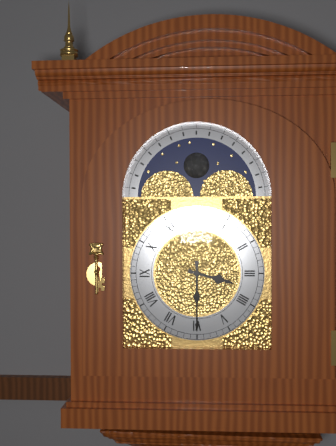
3:30
